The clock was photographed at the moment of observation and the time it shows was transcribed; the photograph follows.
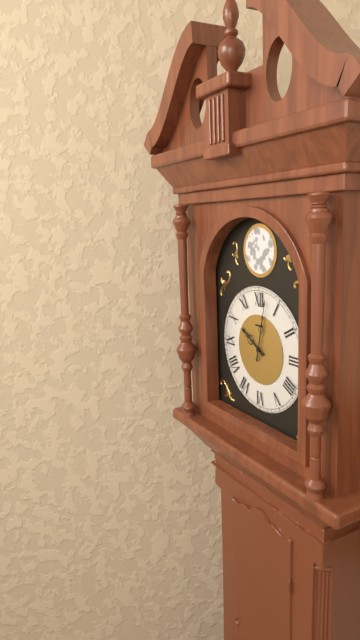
10:02
